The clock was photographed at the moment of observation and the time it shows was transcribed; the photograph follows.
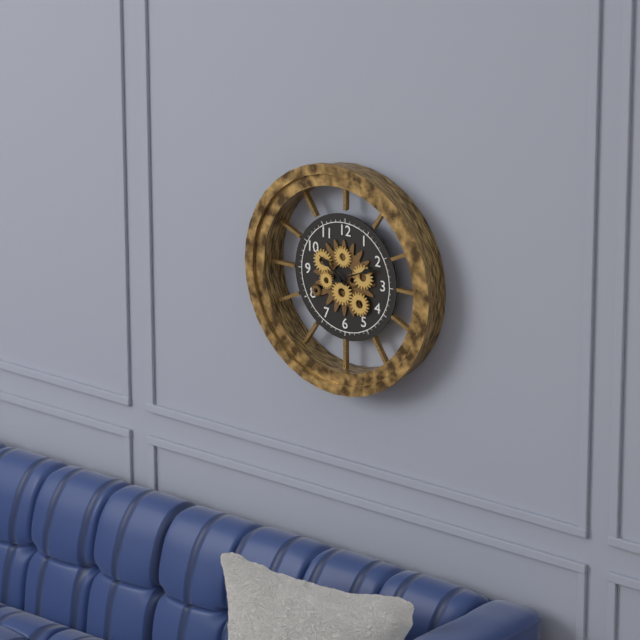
10:11
